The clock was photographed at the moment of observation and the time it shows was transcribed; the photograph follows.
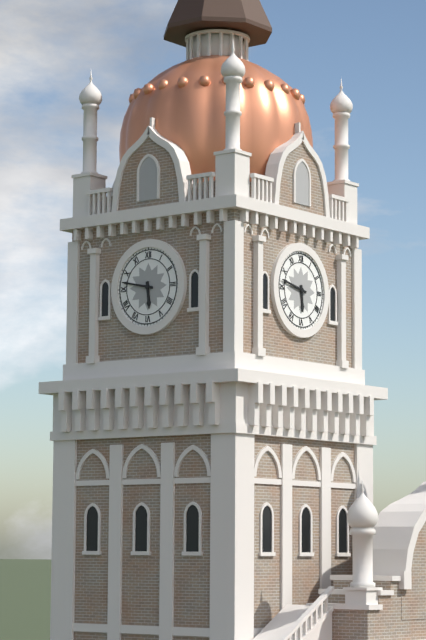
5:47
